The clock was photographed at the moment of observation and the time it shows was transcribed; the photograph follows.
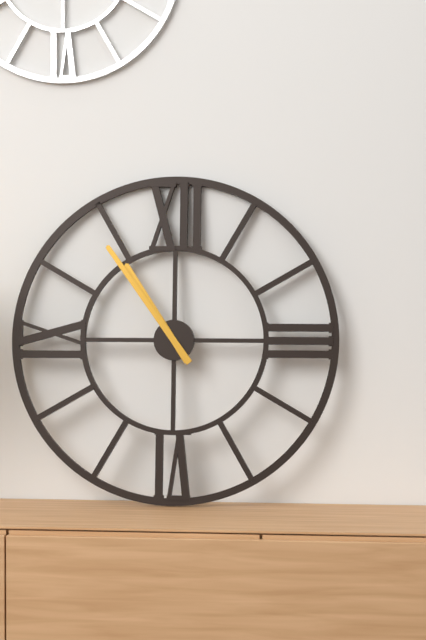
10:54
